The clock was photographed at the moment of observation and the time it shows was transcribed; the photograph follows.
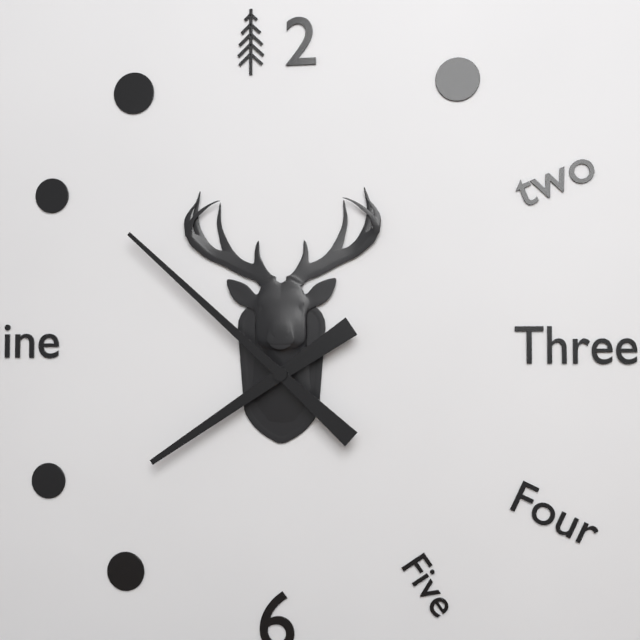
7:52
